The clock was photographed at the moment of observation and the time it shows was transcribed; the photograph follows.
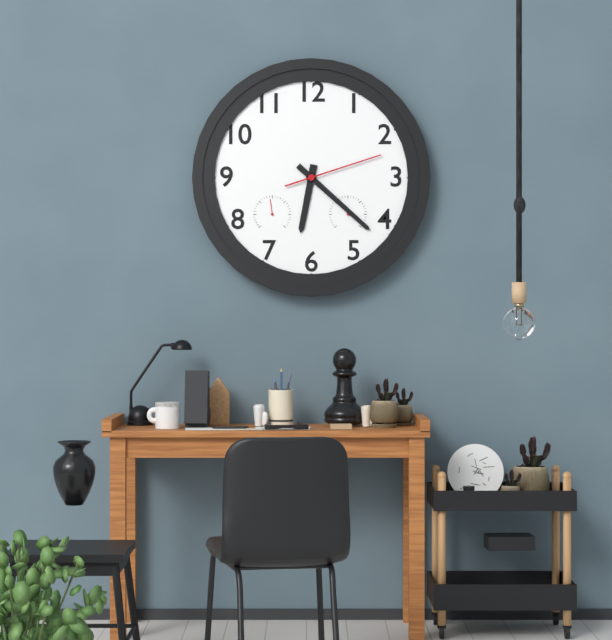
6:22:12
